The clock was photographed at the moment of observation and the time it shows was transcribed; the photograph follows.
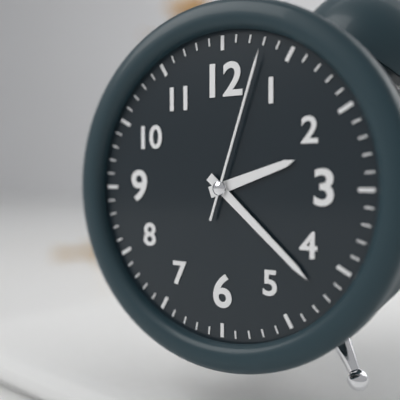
2:22:03
